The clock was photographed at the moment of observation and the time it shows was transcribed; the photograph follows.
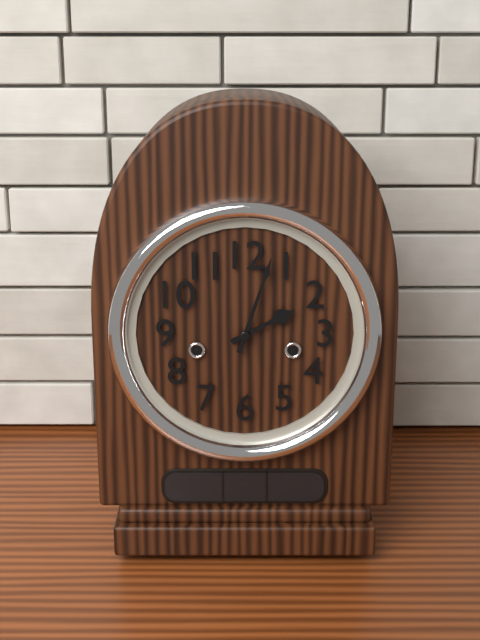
2:03
